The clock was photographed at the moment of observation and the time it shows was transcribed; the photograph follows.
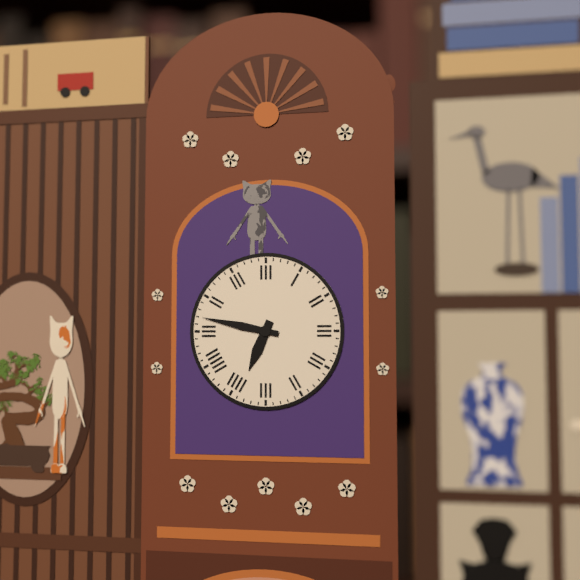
6:47
